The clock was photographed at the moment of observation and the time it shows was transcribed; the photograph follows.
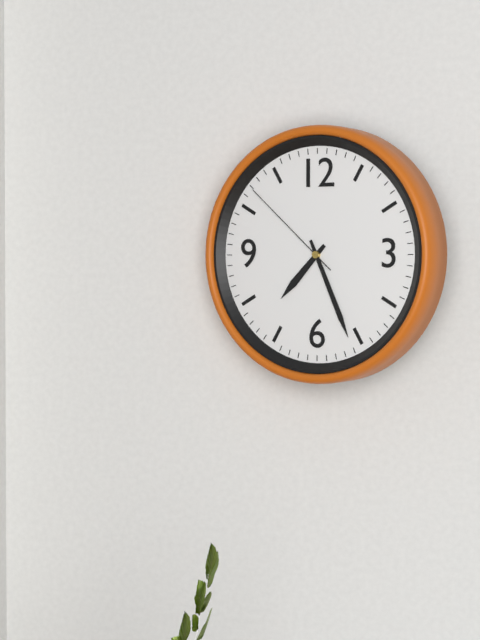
7:26:52
